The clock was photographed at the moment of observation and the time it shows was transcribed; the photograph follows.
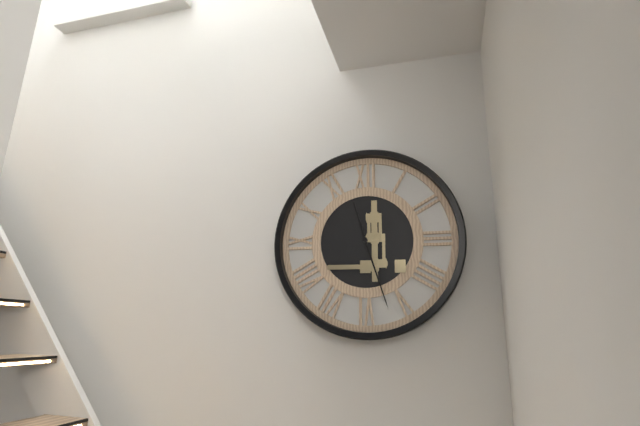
11:27
